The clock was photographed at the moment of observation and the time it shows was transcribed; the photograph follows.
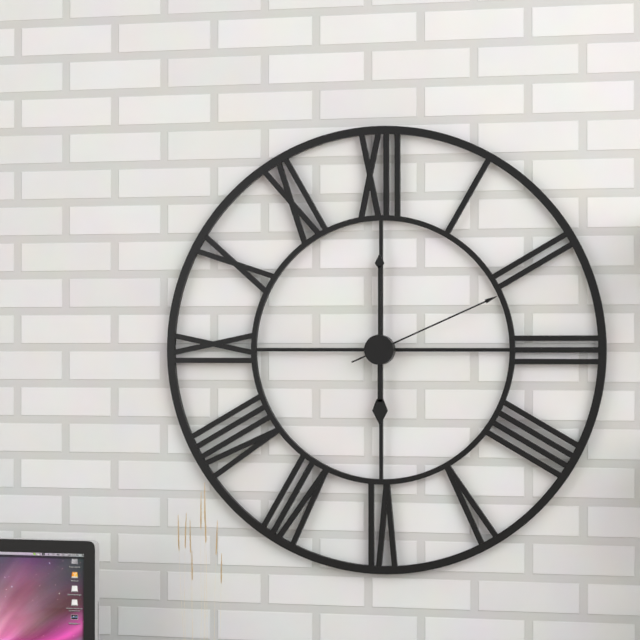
6:00:11
